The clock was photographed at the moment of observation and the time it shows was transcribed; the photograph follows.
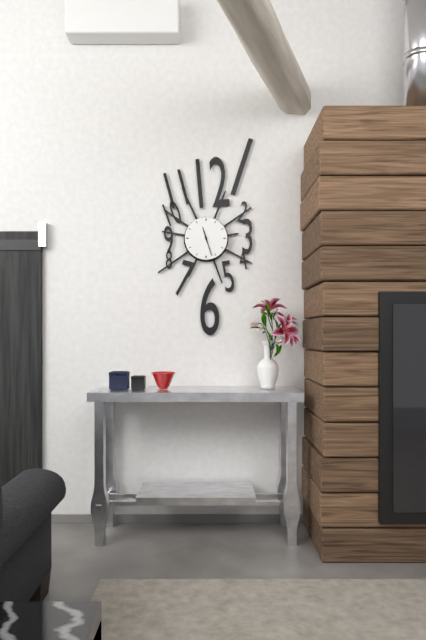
11:27
